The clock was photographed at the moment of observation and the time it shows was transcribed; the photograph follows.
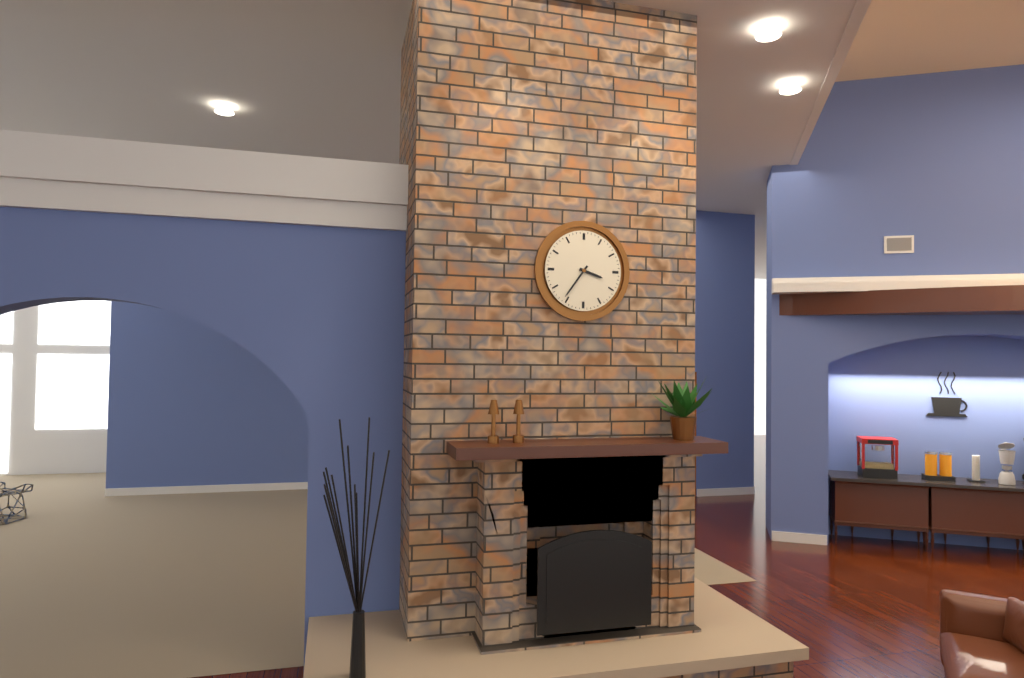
3:36
